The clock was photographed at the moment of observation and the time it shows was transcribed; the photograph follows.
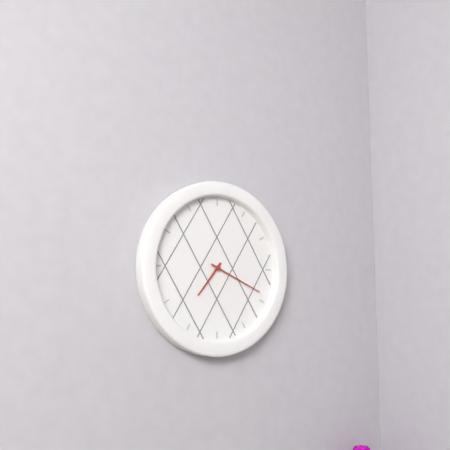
7:19
